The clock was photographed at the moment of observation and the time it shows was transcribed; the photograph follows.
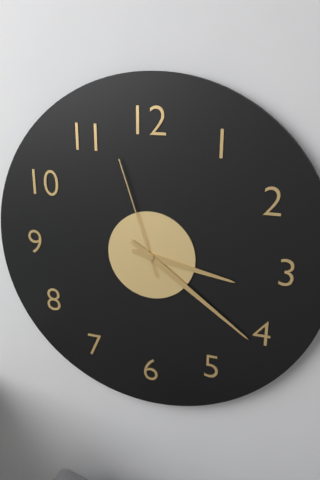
3:21:57
